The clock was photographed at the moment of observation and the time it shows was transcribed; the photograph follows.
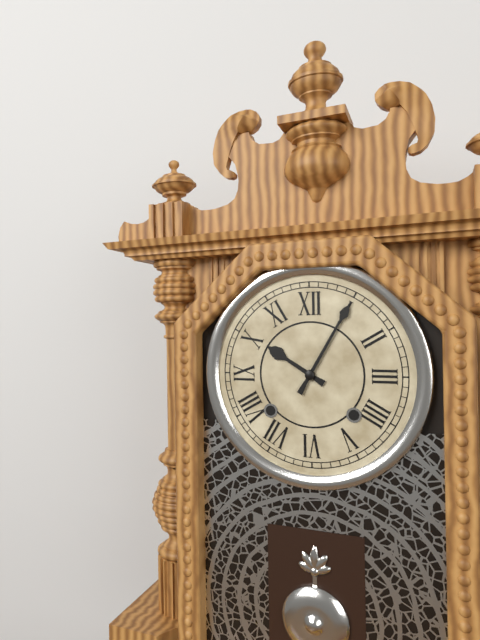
10:05
